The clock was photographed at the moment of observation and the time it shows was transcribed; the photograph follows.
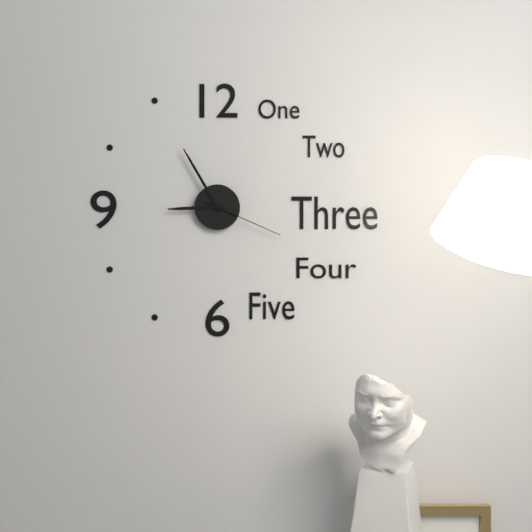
8:55:19
